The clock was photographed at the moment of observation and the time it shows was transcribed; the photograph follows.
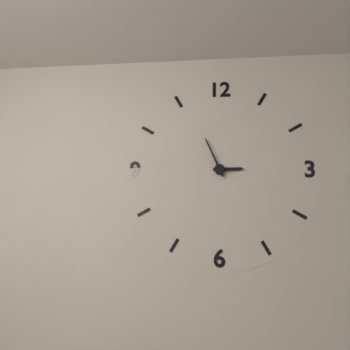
2:56
